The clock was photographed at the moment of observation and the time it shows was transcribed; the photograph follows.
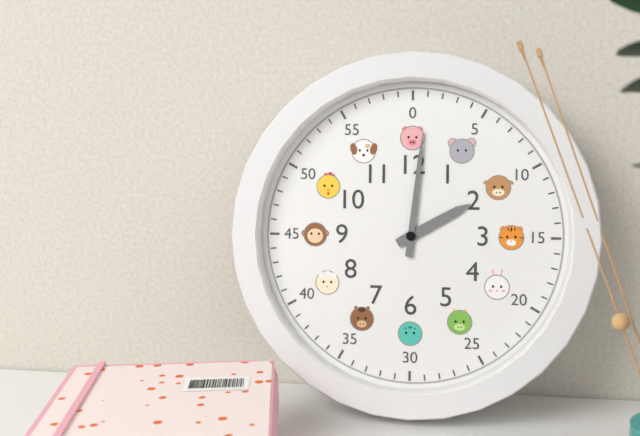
2:01
